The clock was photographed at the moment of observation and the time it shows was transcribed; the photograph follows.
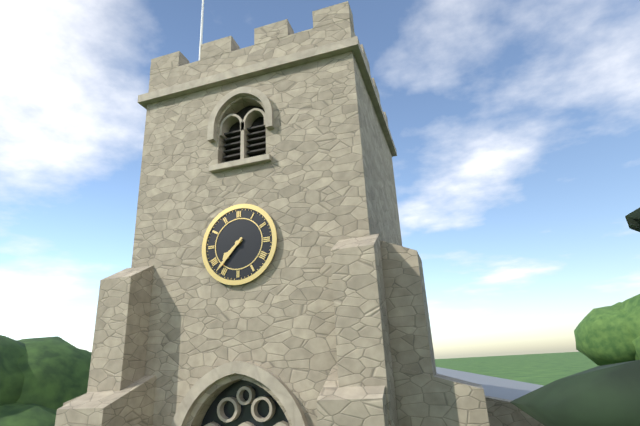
7:37
